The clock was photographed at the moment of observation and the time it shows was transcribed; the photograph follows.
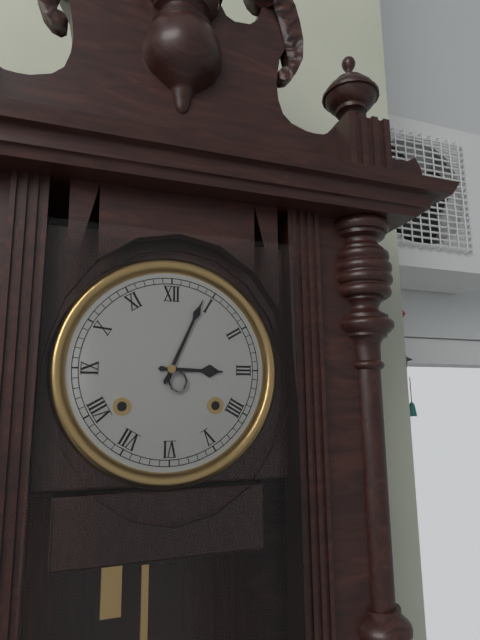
3:04
